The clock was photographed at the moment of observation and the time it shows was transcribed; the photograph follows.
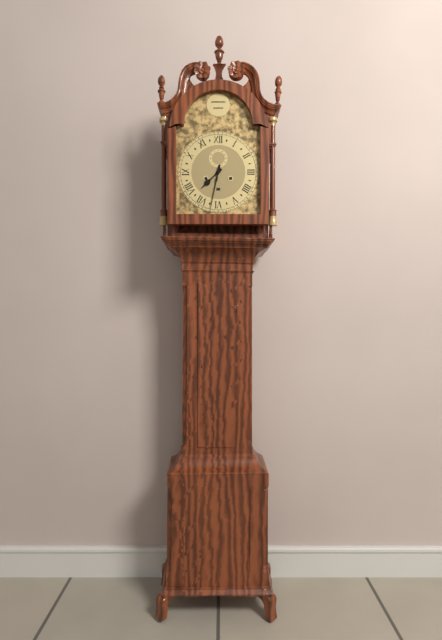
7:32
